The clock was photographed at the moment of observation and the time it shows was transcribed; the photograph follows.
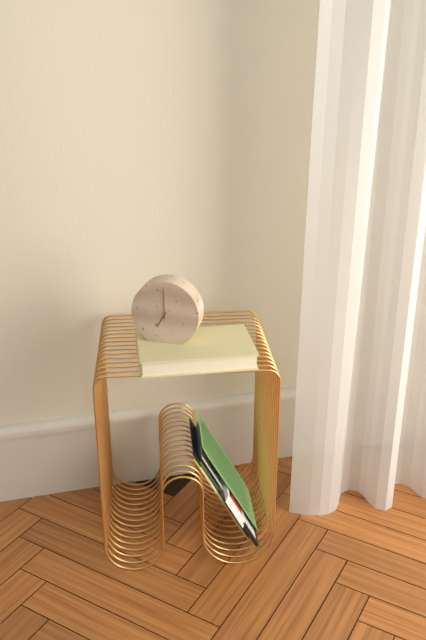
7:00
